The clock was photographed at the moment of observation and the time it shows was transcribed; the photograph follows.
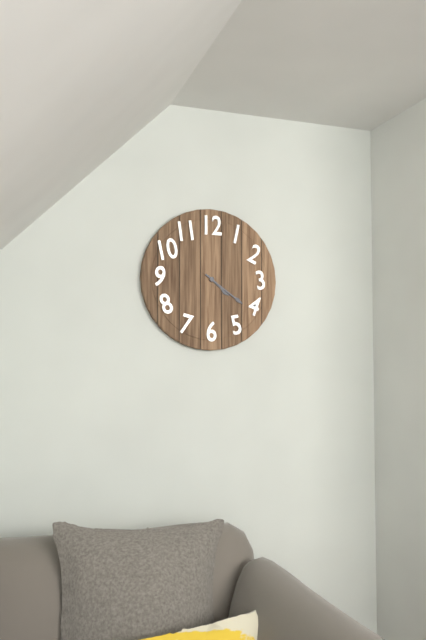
4:21
